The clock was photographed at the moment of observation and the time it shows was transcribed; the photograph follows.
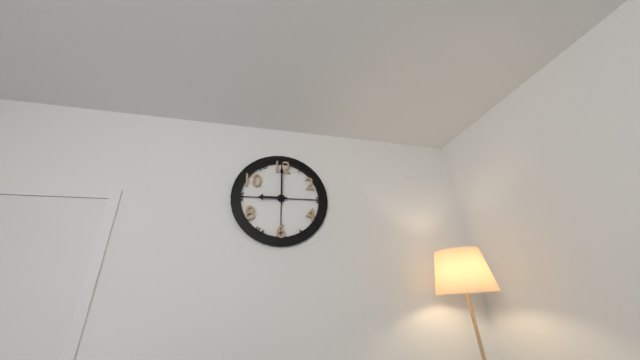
9:00
